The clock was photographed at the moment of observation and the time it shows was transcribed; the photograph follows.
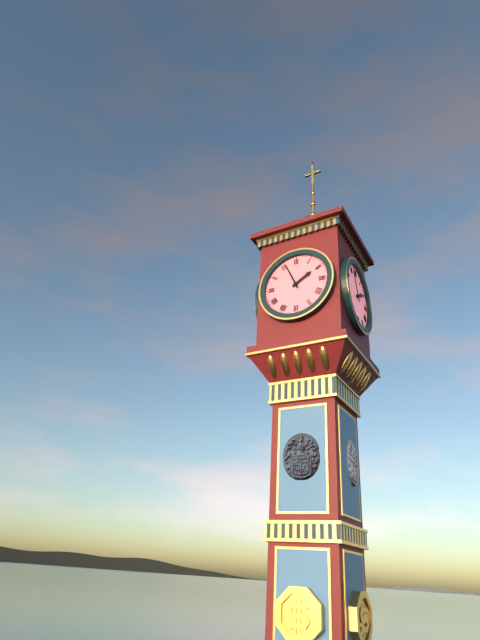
1:56
